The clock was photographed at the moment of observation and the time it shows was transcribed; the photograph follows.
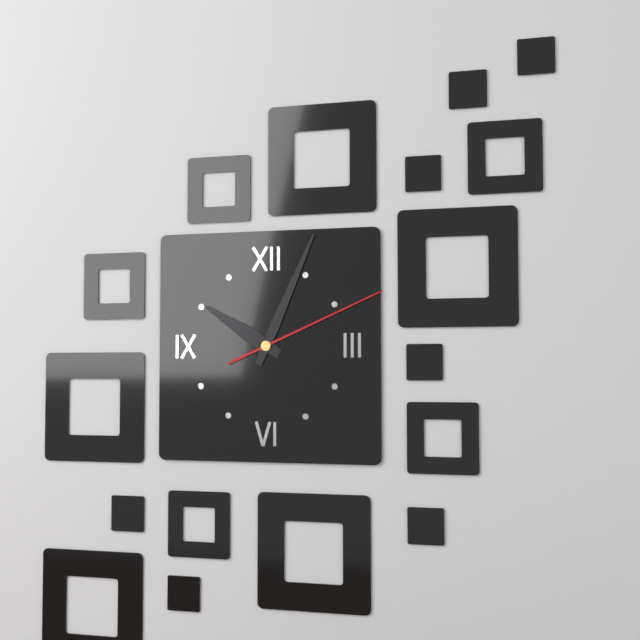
10:04:11
